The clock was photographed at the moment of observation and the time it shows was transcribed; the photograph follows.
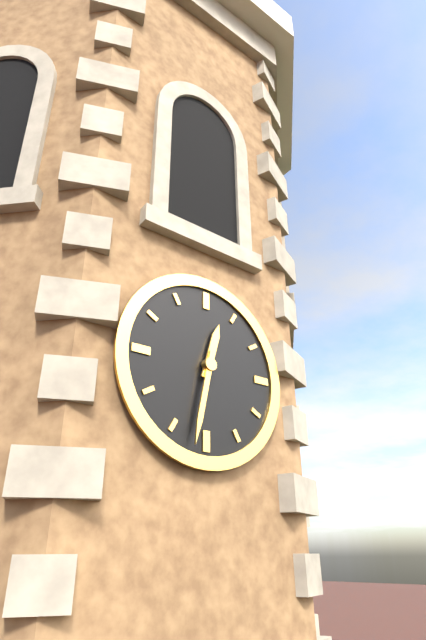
12:32
